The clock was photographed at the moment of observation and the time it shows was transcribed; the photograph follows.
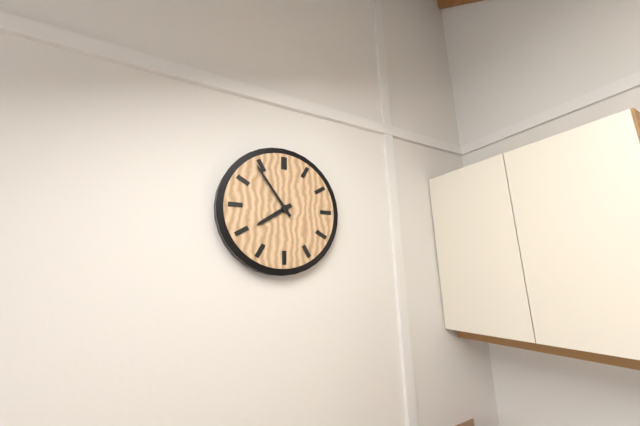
7:54
